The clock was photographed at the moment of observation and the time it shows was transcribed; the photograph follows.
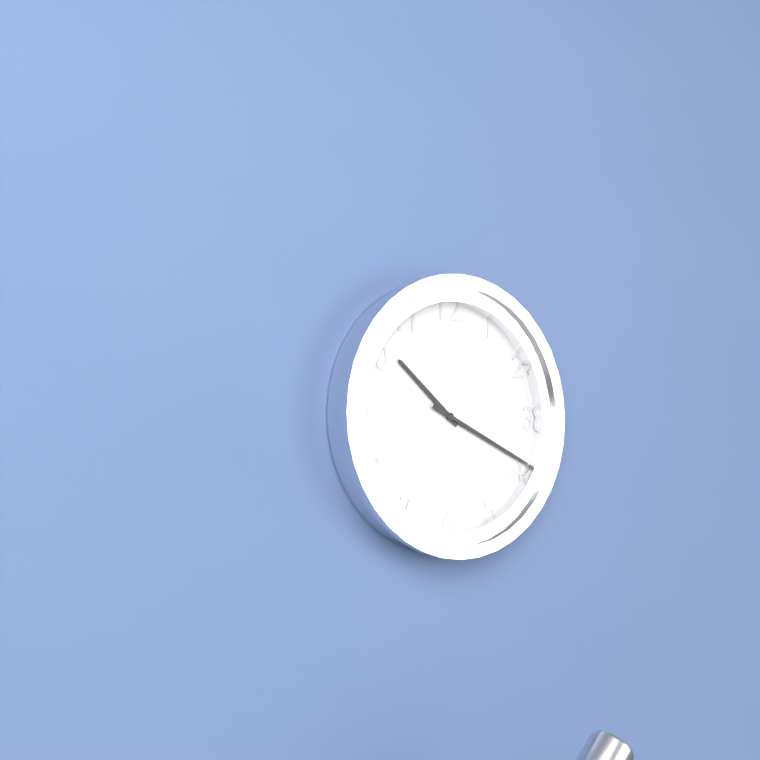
10:19
